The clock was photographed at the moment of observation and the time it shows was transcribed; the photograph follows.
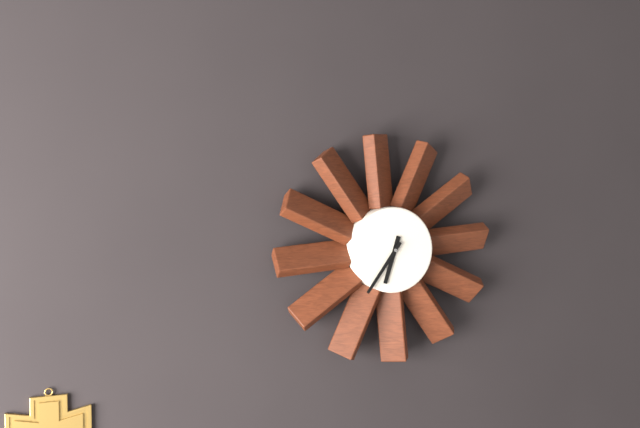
6:36
